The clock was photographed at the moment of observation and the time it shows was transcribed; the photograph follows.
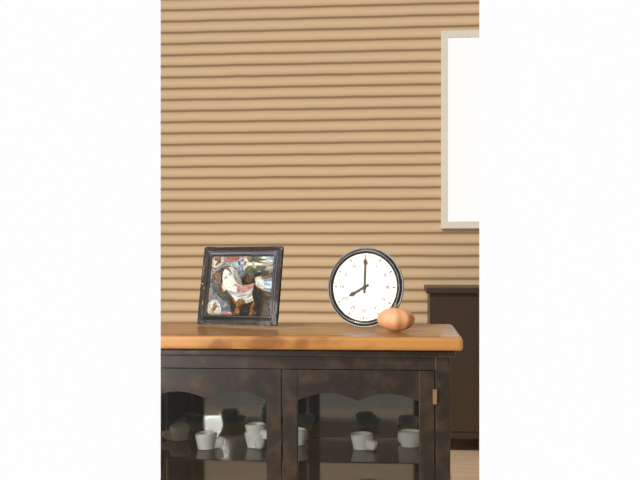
8:00
